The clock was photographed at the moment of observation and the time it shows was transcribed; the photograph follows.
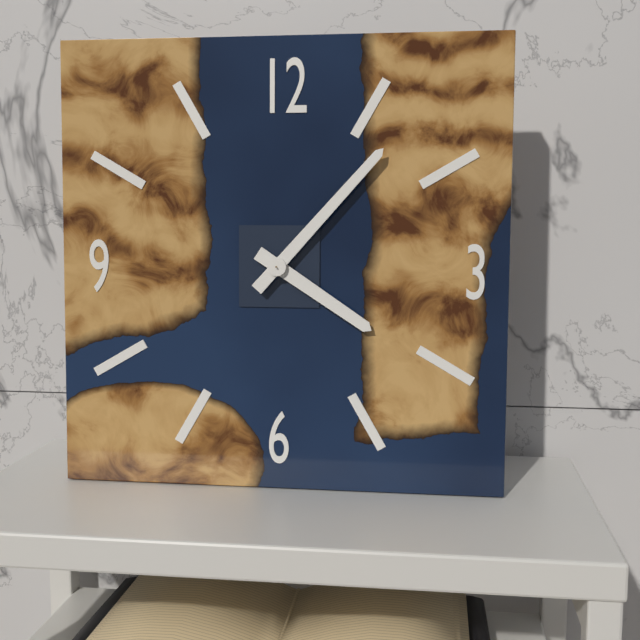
4:07
